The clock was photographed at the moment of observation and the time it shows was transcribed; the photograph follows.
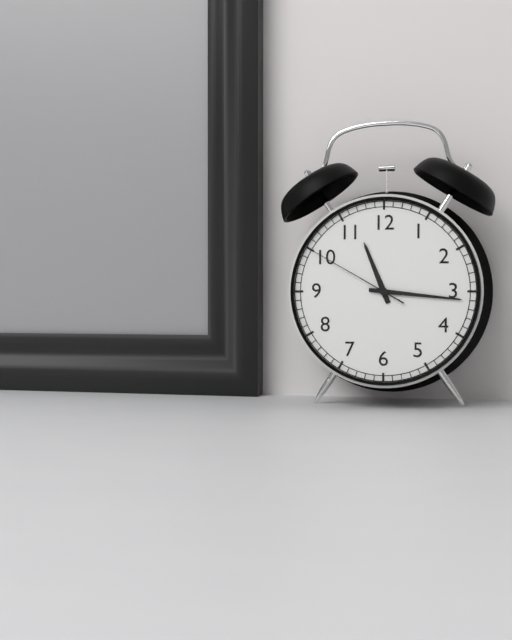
11:16:50
